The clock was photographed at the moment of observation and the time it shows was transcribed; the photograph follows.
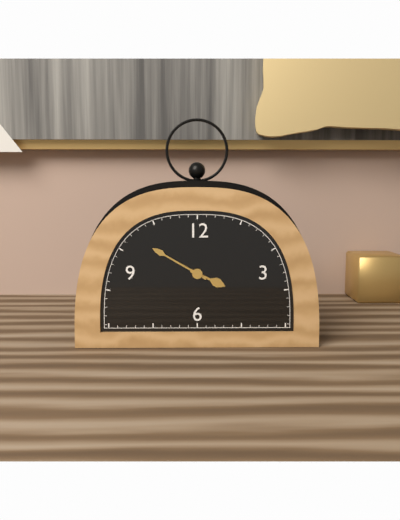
3:50
